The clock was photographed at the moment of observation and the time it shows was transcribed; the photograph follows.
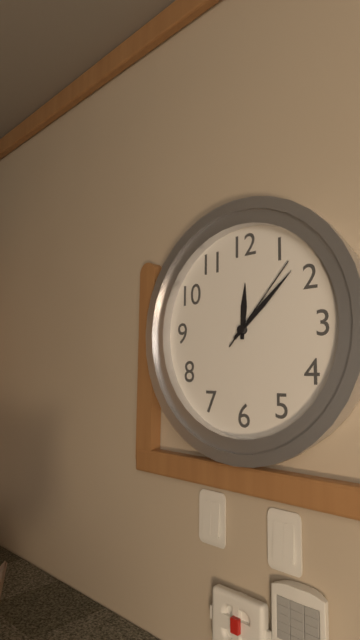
12:08:07
